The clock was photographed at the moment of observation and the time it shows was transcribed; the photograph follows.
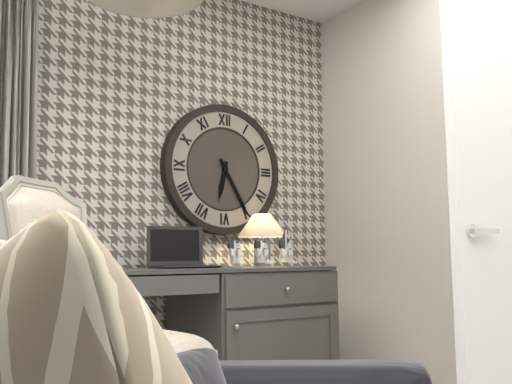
6:25
